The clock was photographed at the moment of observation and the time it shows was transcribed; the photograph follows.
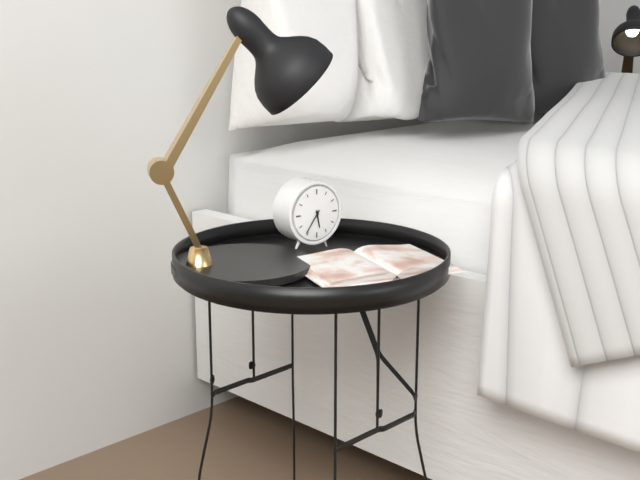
5:36
